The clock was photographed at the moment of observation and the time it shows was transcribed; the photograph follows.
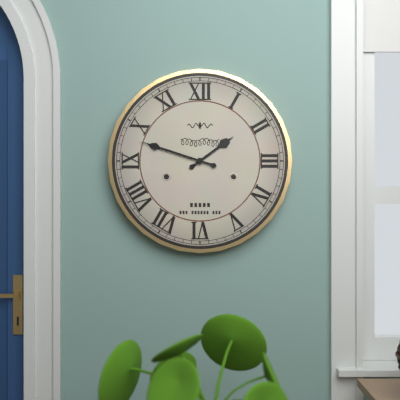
1:48
